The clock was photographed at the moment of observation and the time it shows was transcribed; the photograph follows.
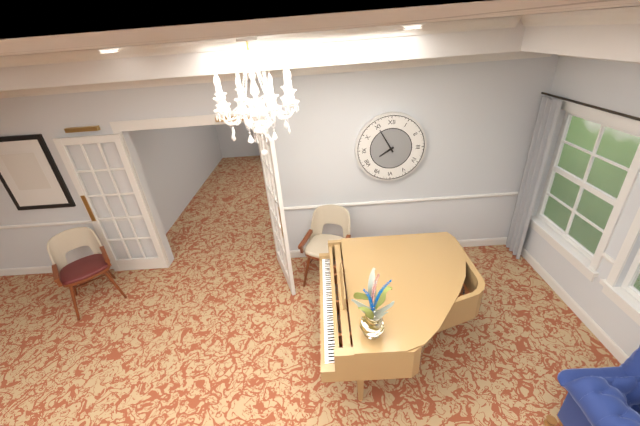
7:55
